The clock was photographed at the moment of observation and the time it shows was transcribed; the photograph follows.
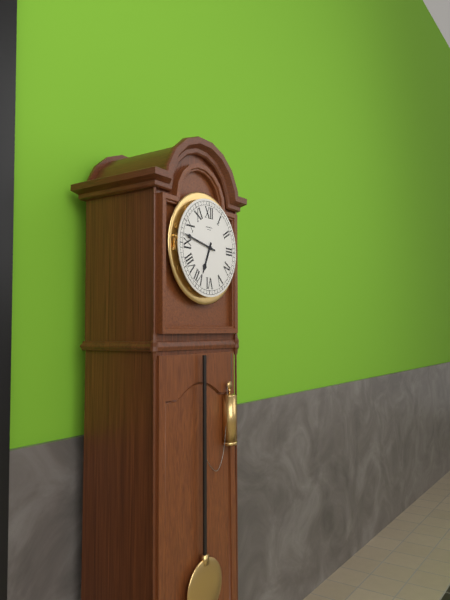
6:47
